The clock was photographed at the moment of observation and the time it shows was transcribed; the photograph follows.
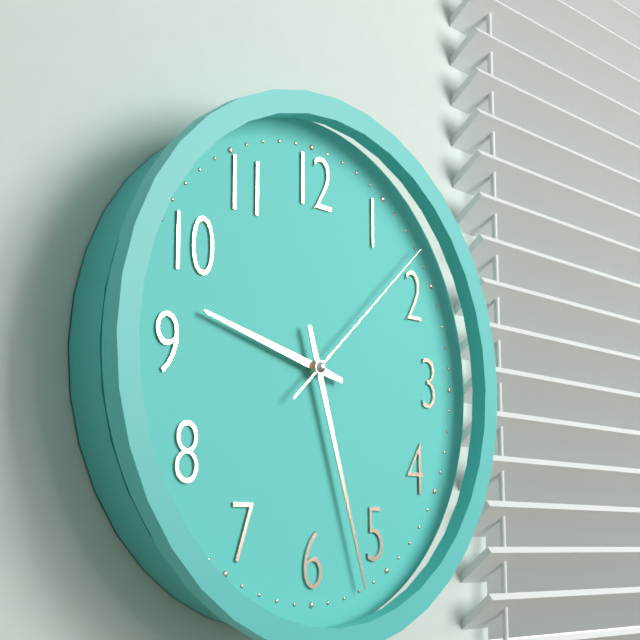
9:27:08
